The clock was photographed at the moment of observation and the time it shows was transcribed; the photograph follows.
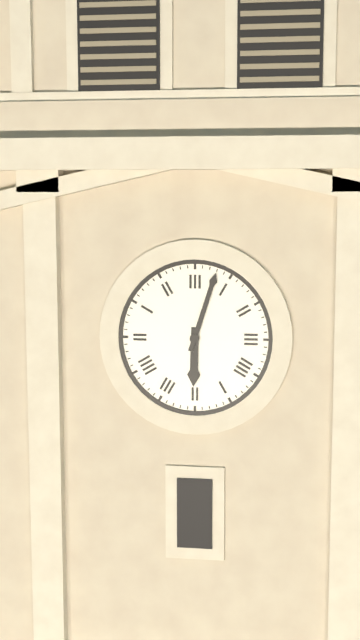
6:03
